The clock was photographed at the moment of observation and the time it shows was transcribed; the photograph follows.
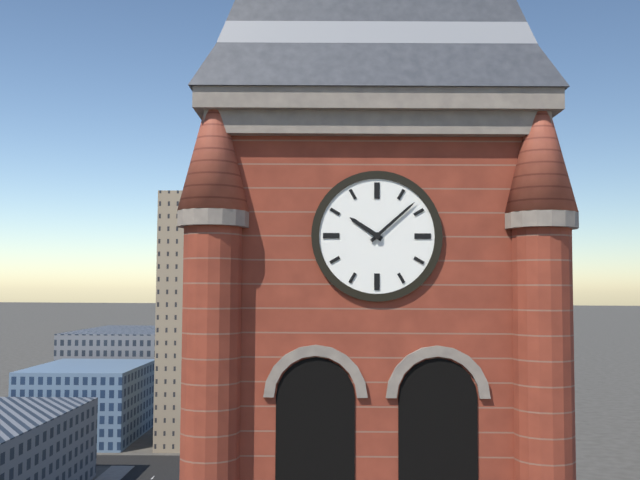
10:08
